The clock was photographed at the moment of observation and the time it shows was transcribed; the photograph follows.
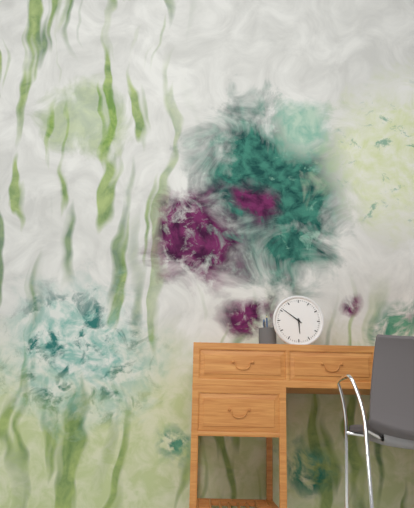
5:51
